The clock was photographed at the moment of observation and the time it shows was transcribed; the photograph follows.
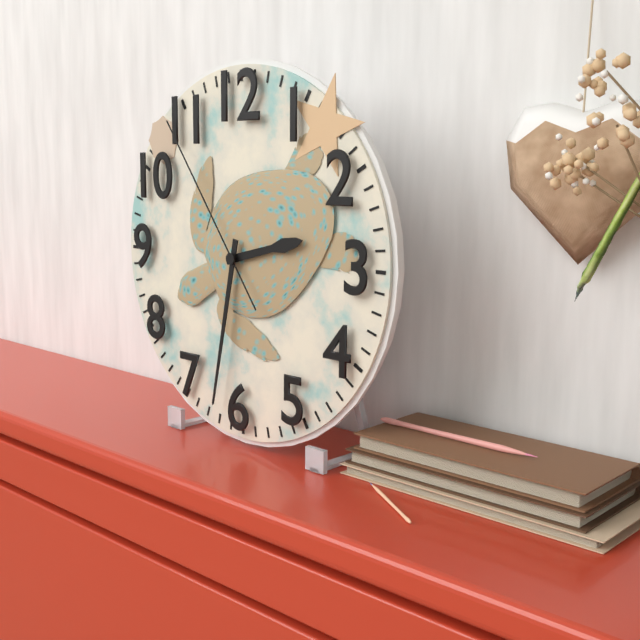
2:32:54
